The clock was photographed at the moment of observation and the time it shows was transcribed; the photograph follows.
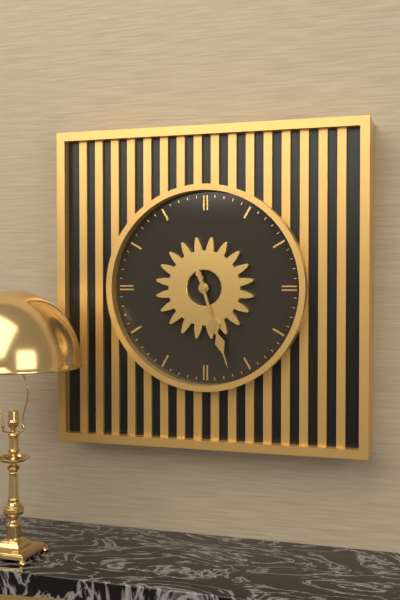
5:27
